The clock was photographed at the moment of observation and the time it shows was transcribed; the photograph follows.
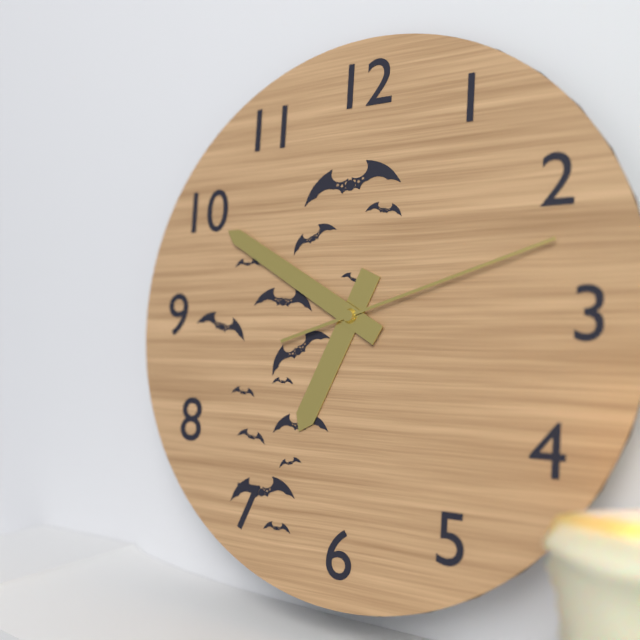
6:50:12
